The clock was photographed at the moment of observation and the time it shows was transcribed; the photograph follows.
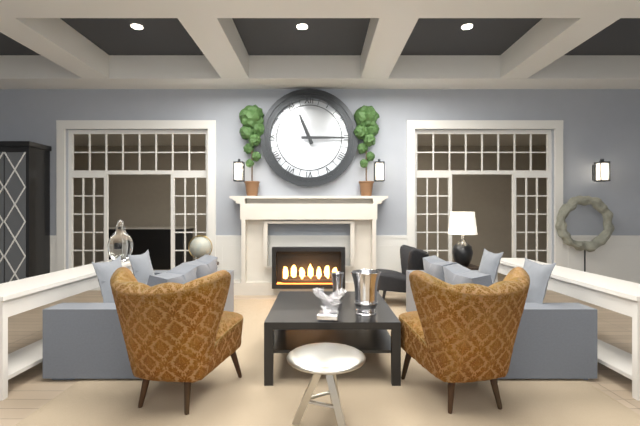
11:15
